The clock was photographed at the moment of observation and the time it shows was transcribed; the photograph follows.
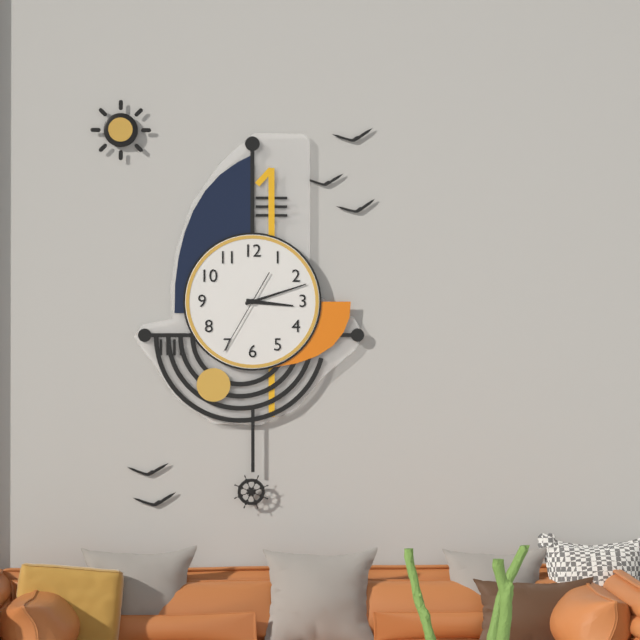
3:12:35
